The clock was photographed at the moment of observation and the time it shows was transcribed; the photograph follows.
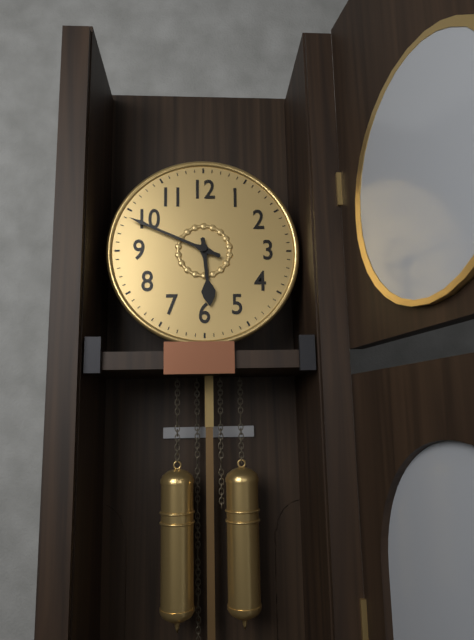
5:49
